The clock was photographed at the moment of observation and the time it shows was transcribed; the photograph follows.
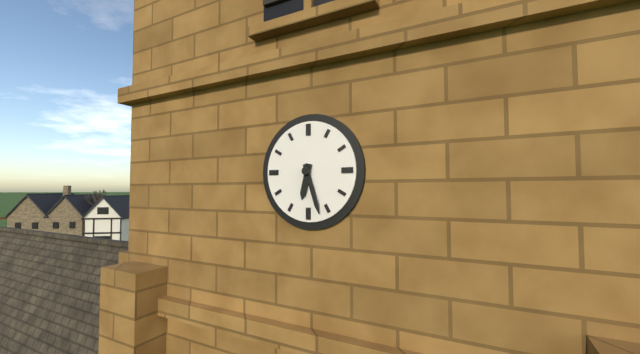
6:27
